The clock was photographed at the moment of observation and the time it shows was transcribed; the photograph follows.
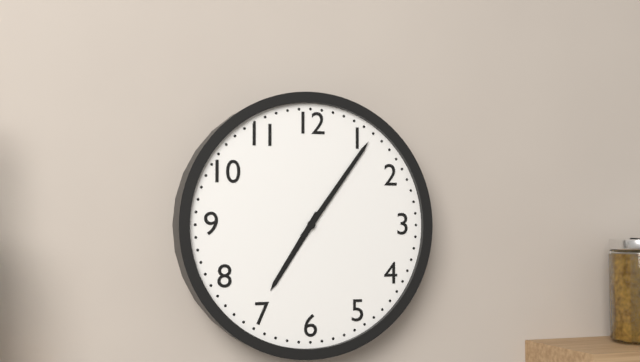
7:06
